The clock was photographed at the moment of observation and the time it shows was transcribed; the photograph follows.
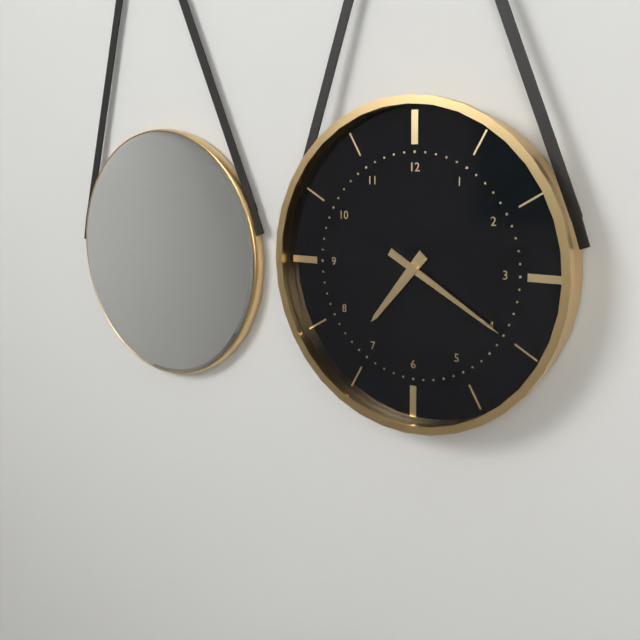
7:20
